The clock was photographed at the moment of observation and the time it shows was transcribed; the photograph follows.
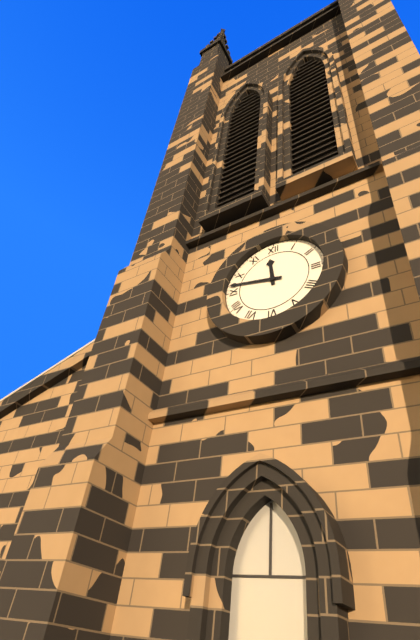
11:47
